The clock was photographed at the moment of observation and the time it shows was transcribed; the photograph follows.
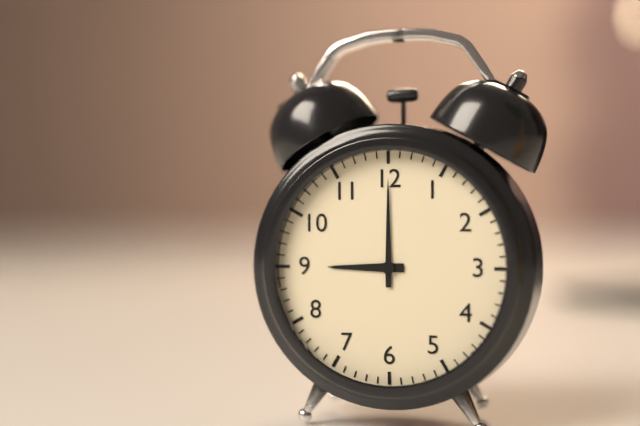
9:00
